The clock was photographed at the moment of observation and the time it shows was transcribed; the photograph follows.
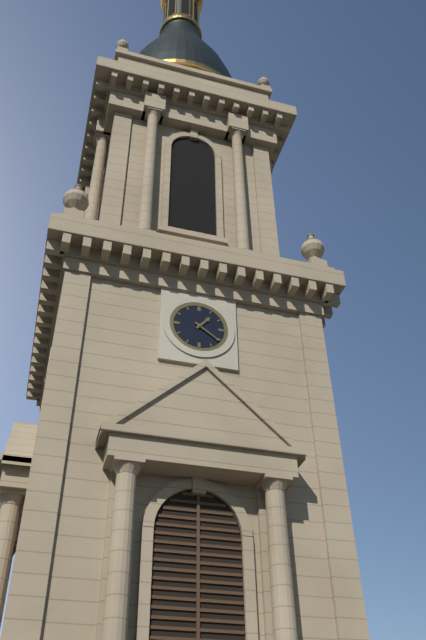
1:21
